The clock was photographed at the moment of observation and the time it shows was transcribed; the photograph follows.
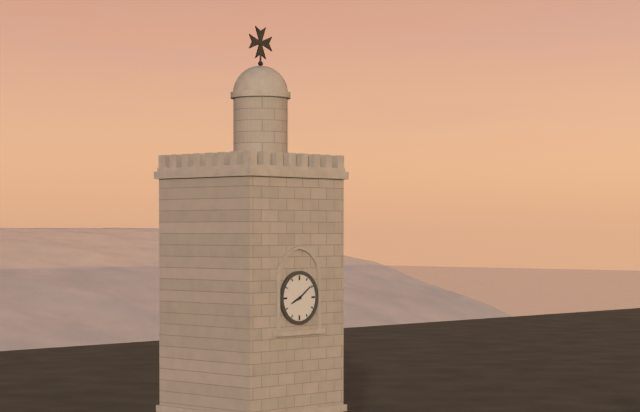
8:09
